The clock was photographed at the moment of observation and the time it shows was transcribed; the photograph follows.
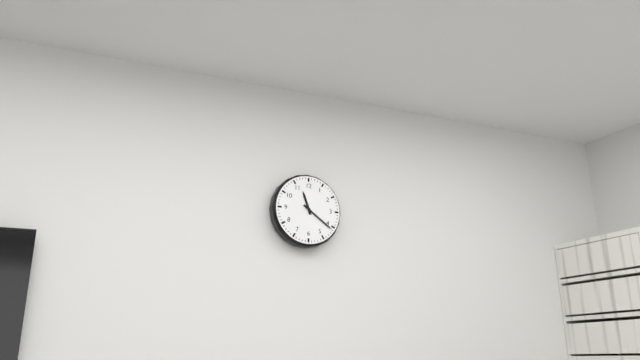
11:21
